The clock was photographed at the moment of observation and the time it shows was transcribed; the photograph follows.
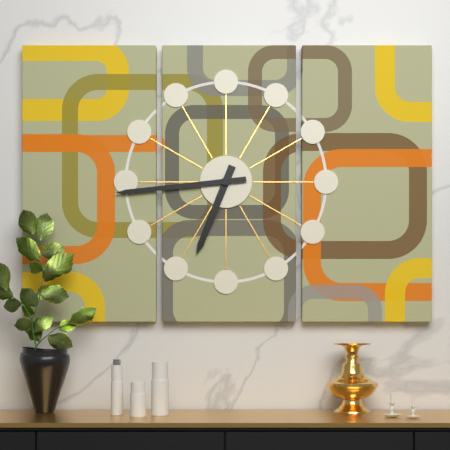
6:44
